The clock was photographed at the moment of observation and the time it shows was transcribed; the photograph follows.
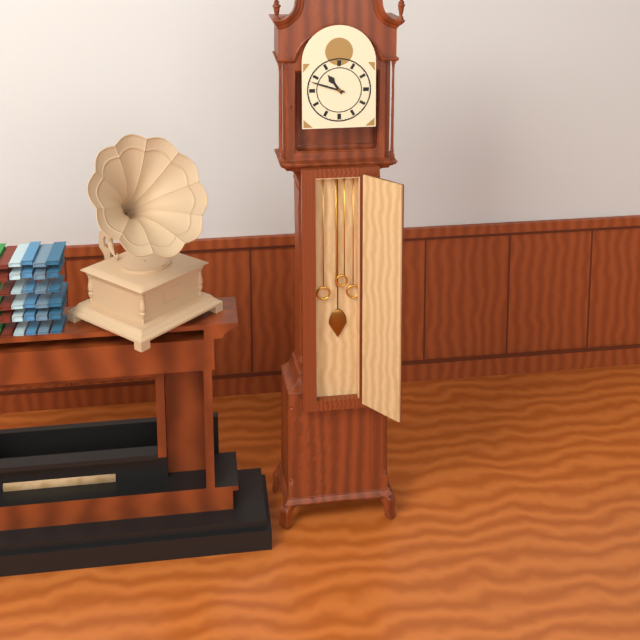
10:48
